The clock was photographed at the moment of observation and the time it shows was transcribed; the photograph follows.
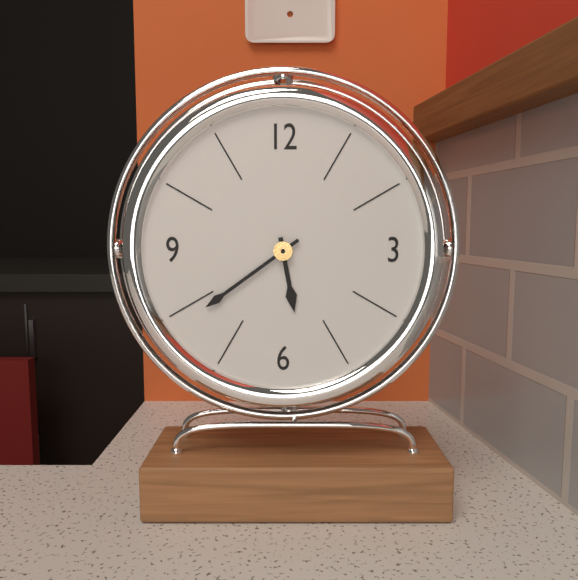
5:39
